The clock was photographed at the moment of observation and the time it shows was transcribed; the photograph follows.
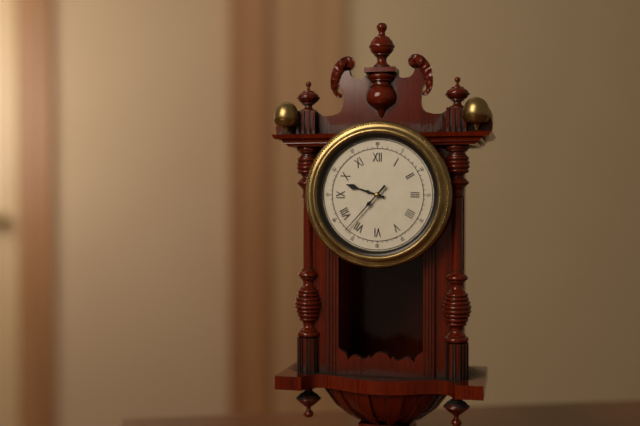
9:37
